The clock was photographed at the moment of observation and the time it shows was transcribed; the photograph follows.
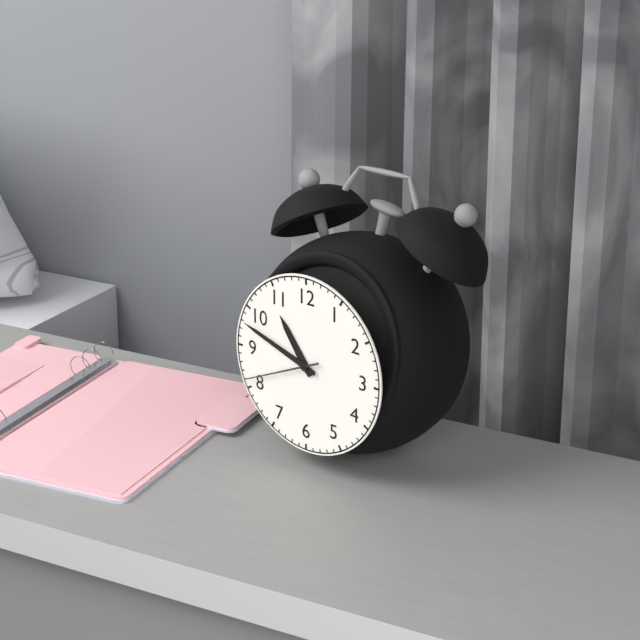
10:48:41
